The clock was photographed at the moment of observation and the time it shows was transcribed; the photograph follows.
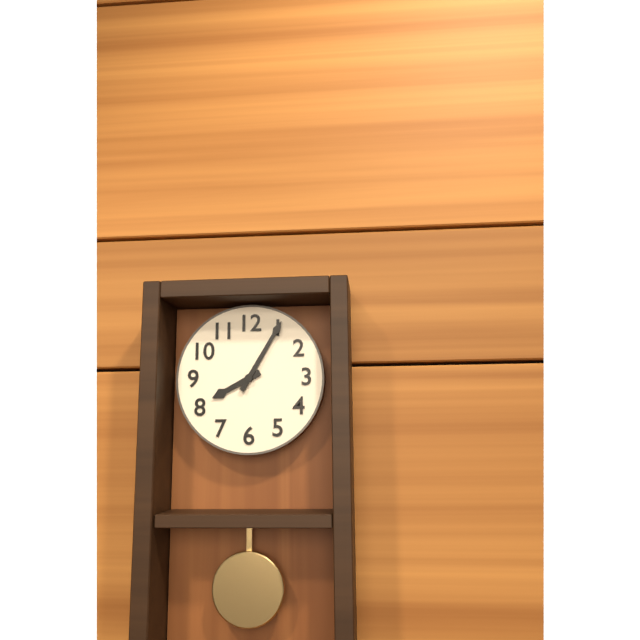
8:05
